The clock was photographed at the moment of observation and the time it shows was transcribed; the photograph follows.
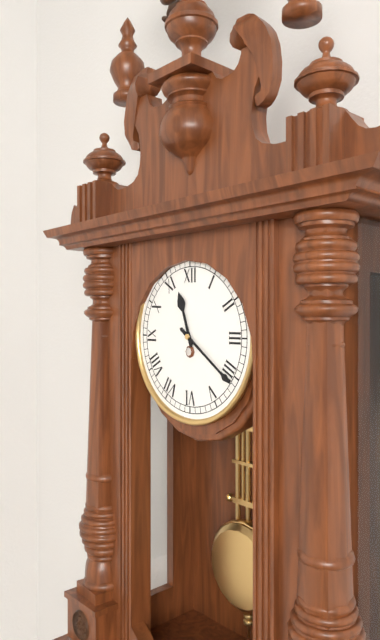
11:21
